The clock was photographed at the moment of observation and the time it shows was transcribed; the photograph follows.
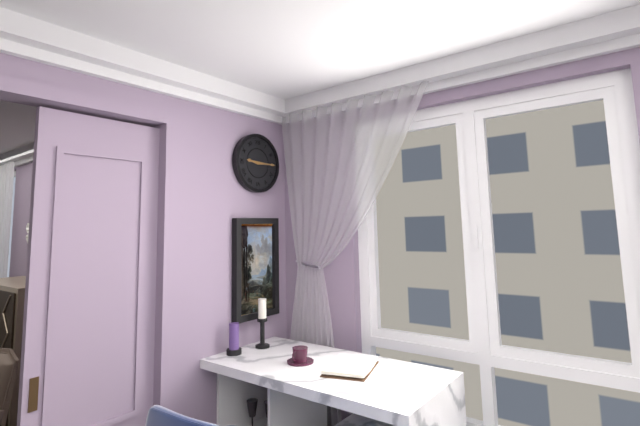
9:15
